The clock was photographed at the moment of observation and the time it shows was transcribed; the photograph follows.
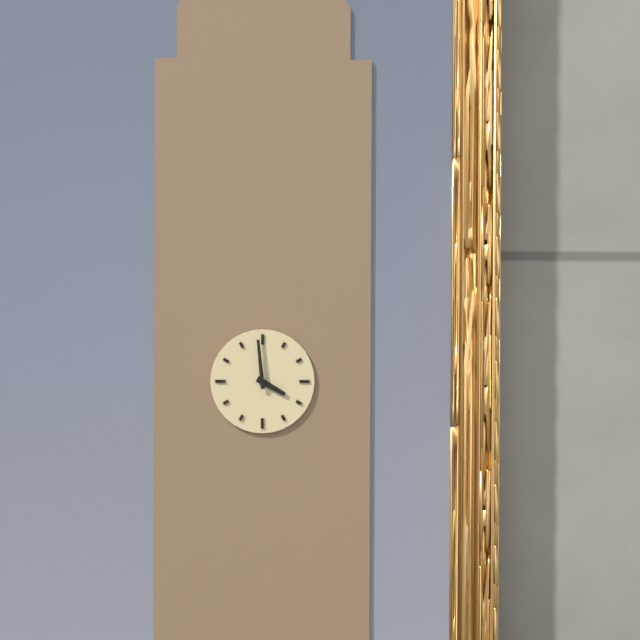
3:59
